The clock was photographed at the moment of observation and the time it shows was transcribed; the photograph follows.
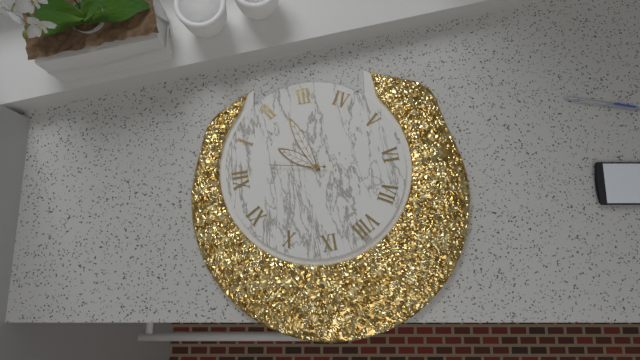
1:12:02
